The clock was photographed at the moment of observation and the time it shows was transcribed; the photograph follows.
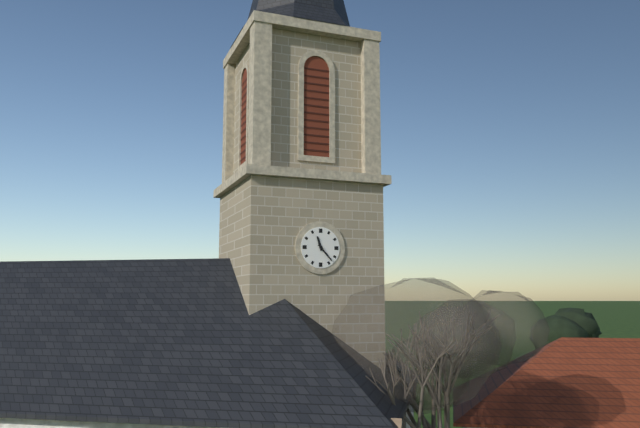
11:23
